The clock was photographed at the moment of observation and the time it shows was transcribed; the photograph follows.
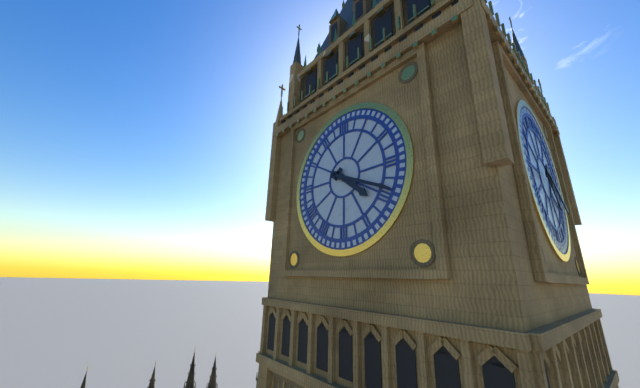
4:19
